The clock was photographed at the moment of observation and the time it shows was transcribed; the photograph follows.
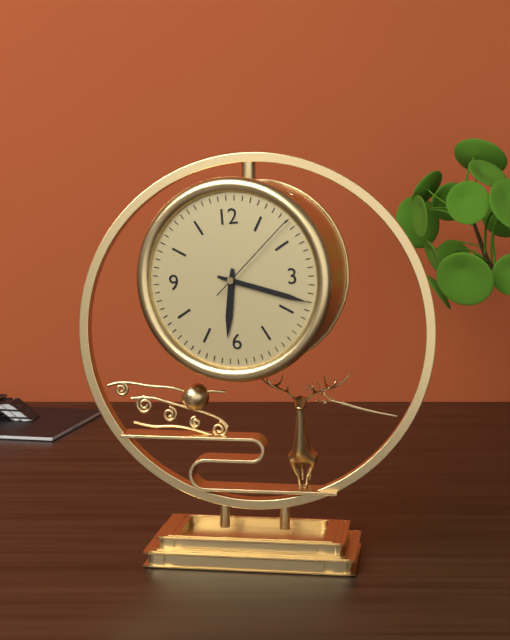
6:18:08
